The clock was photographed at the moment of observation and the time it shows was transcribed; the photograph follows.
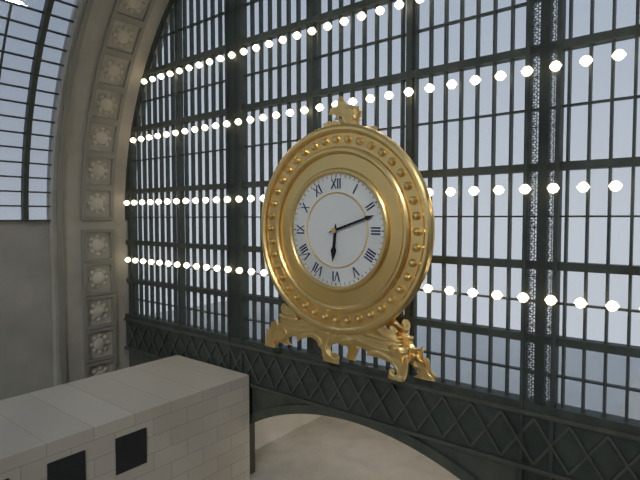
6:12
